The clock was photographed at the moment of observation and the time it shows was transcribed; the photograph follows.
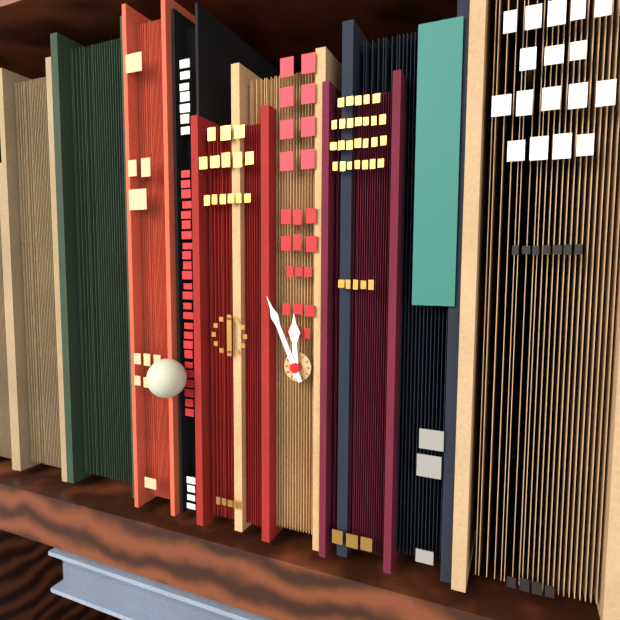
11:56
